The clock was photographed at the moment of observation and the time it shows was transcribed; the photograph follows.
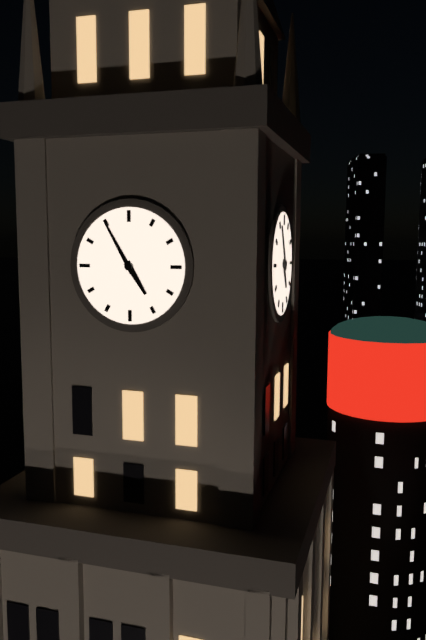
4:55
